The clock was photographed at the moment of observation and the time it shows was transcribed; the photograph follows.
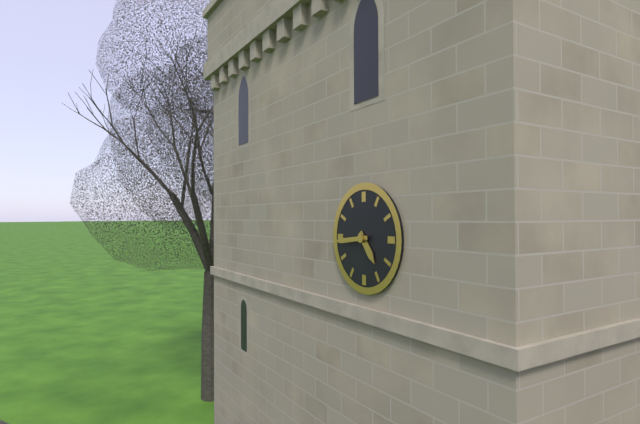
4:44
